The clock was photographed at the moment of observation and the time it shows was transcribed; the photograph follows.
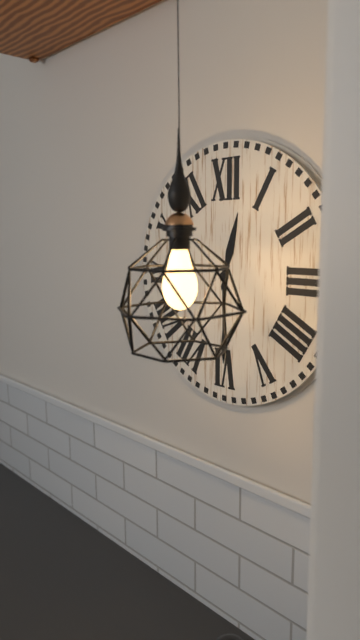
12:30
